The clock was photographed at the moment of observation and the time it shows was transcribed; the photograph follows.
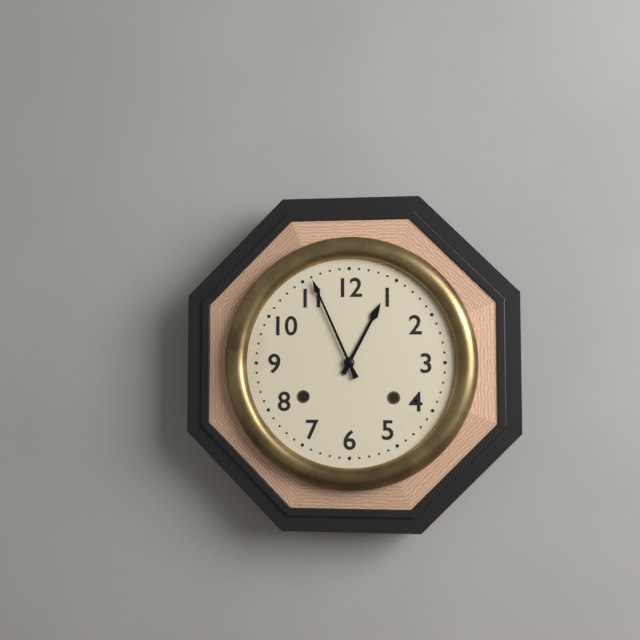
12:56
